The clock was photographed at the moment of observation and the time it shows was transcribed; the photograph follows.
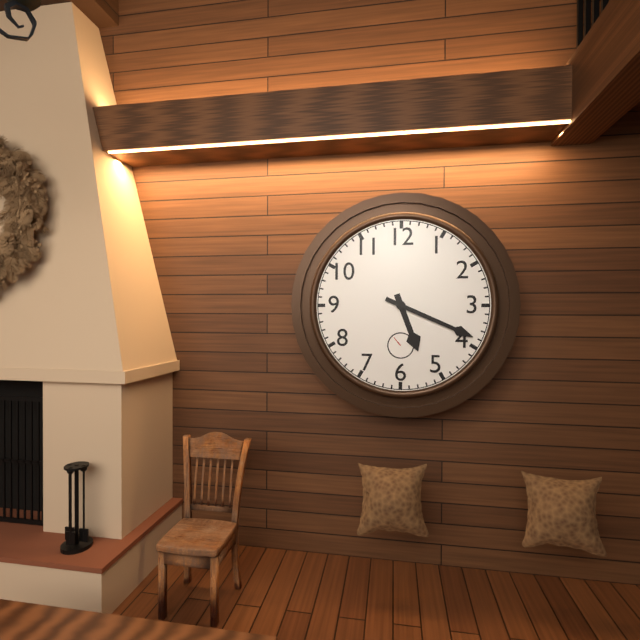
5:19
